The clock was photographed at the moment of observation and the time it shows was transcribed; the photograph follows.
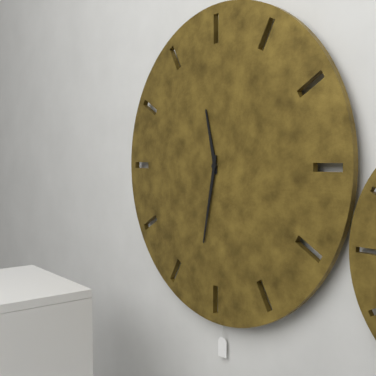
11:32
